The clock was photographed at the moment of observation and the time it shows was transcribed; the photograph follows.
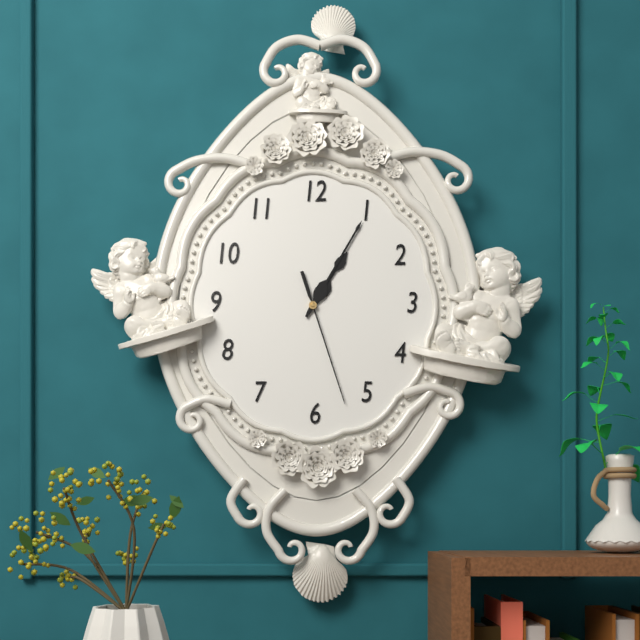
1:05:27
